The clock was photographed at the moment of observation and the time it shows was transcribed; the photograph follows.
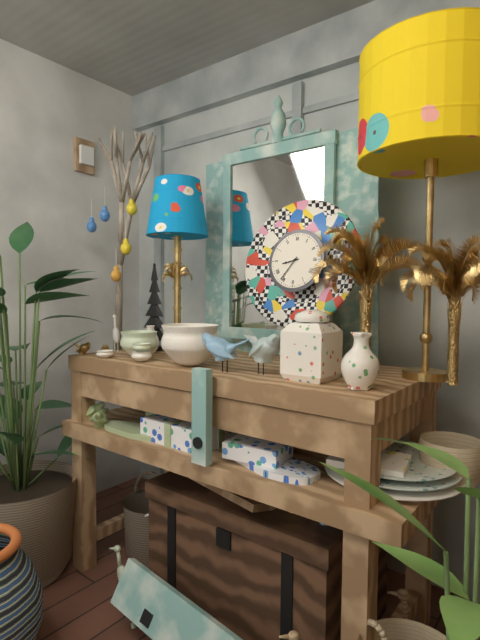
8:36
